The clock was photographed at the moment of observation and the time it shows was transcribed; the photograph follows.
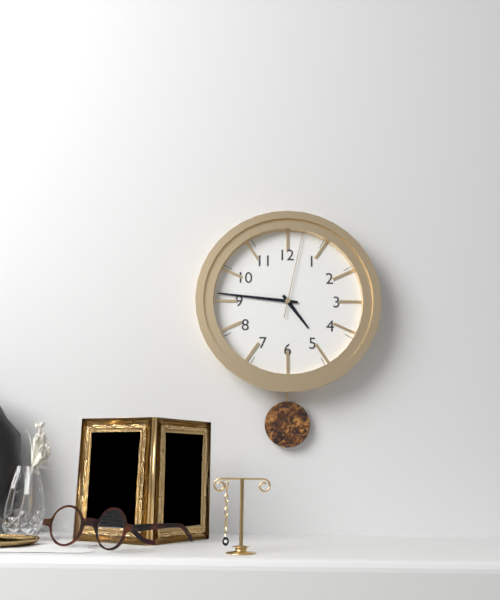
4:46:02
